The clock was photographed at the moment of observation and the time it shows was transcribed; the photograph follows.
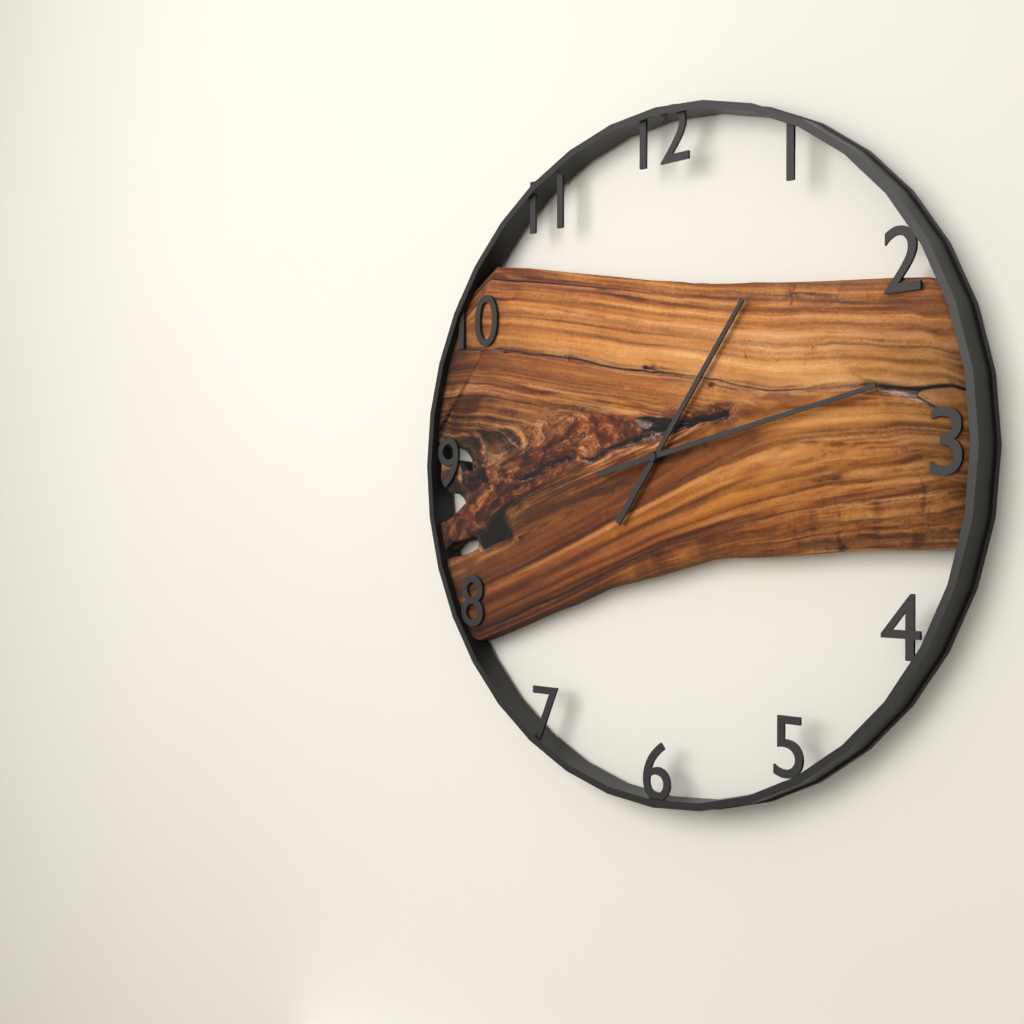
1:13
